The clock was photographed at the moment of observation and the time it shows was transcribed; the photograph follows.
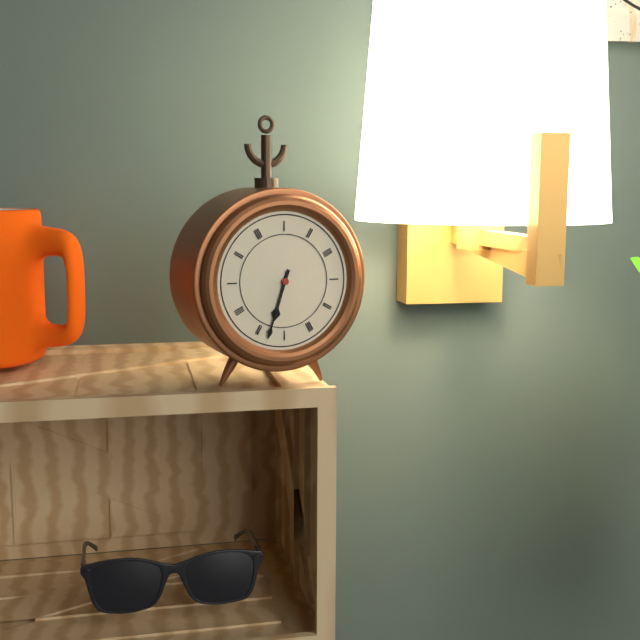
6:33
